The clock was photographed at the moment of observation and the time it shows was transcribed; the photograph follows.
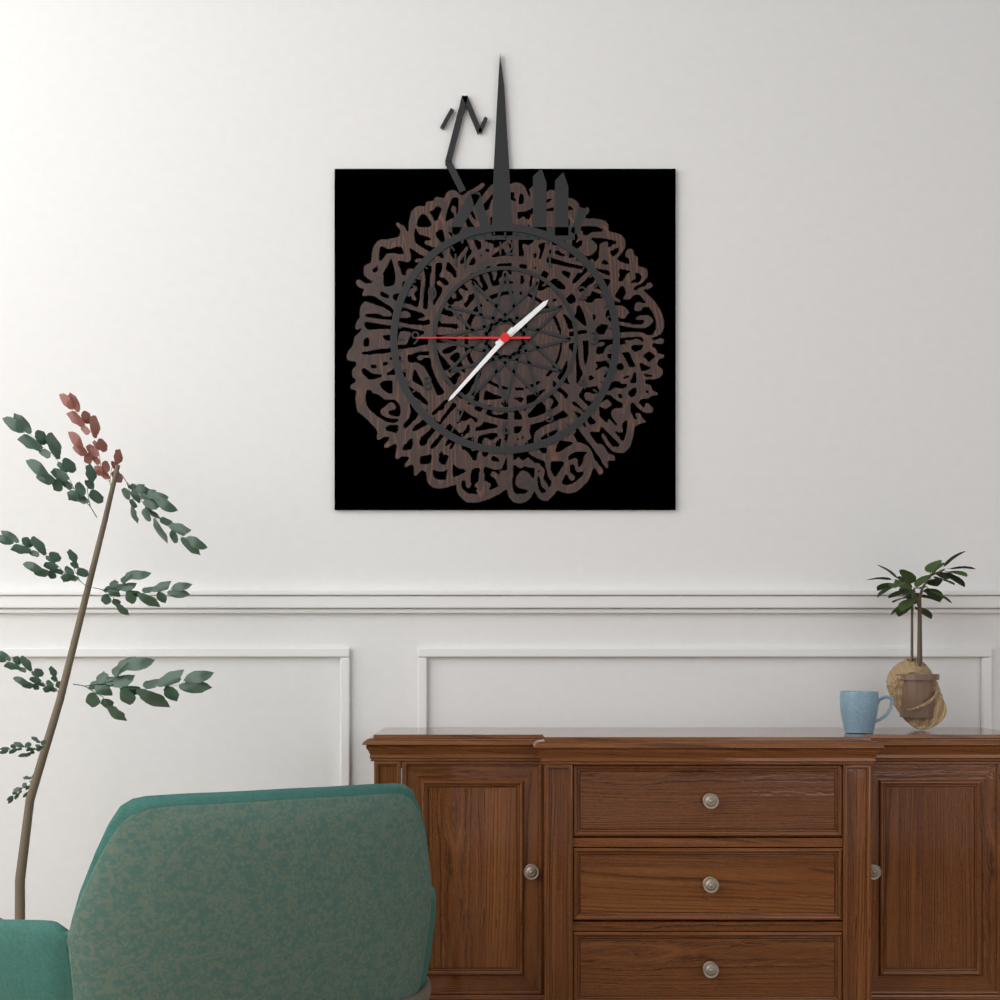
1:37:45
